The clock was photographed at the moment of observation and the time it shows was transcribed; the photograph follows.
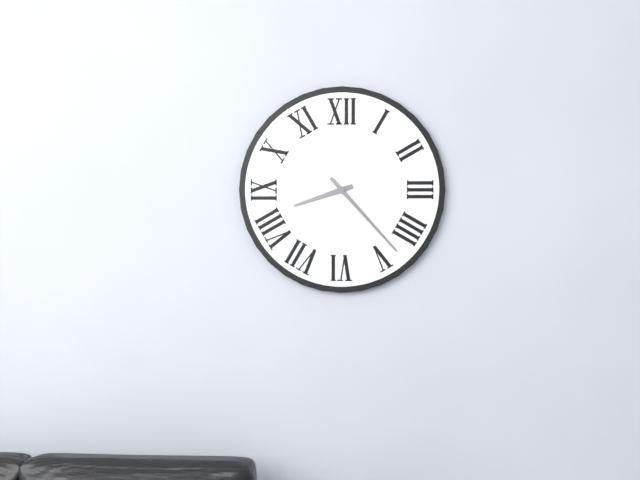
8:23
